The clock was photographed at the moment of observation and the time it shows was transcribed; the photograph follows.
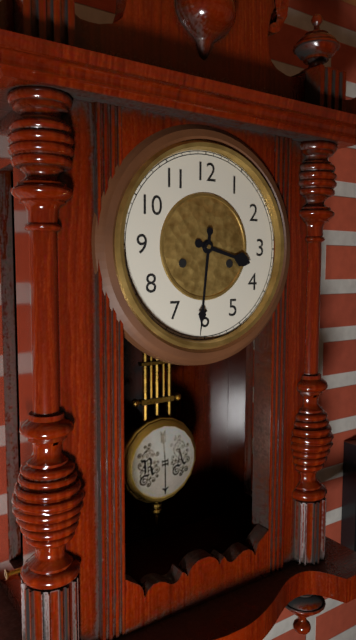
3:31
